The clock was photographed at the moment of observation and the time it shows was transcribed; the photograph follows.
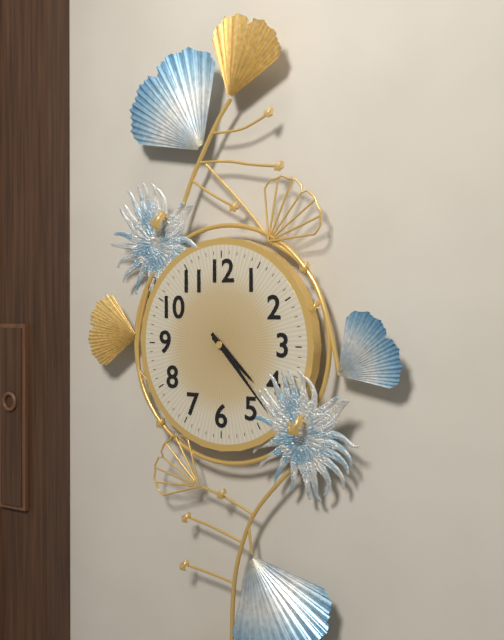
4:23
